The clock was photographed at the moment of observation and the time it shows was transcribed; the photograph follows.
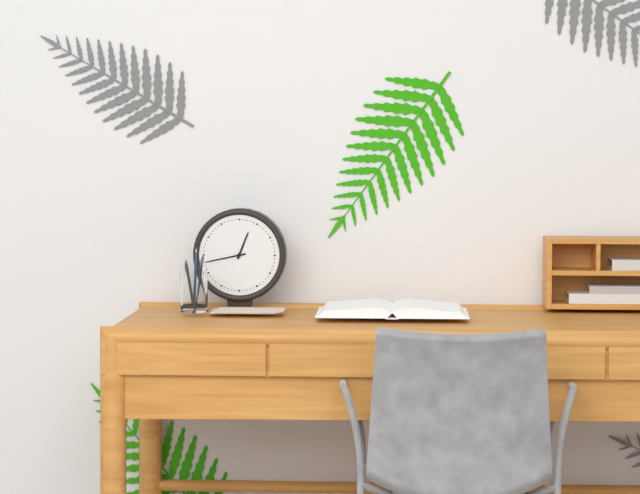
12:43
